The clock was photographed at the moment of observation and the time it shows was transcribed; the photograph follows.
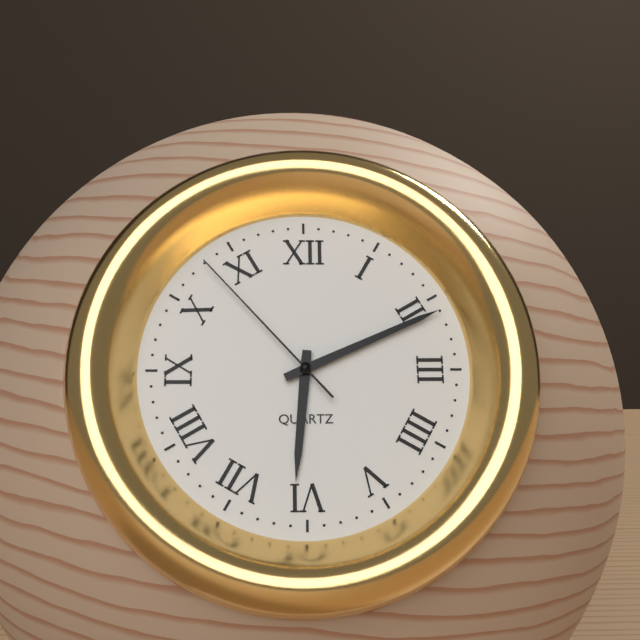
6:11:53
